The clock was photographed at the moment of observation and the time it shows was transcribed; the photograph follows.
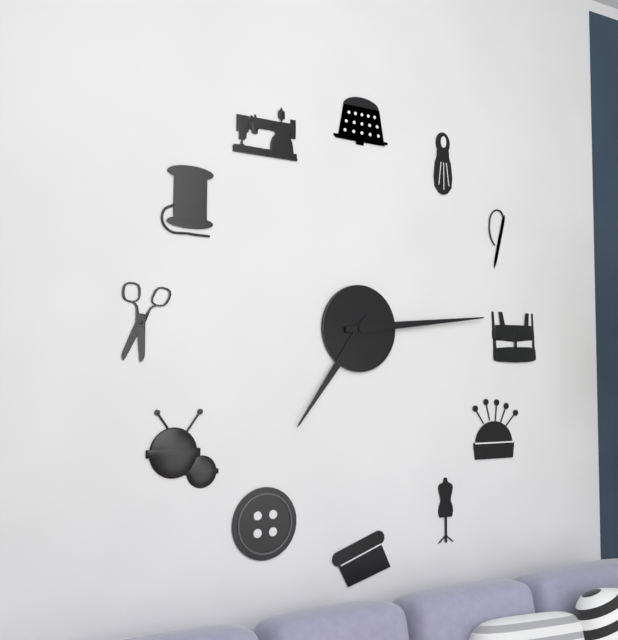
7:14
